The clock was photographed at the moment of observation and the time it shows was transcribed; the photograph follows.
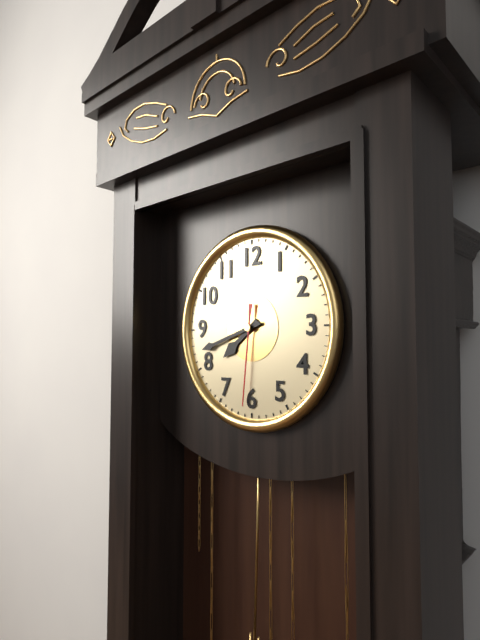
7:42:31
